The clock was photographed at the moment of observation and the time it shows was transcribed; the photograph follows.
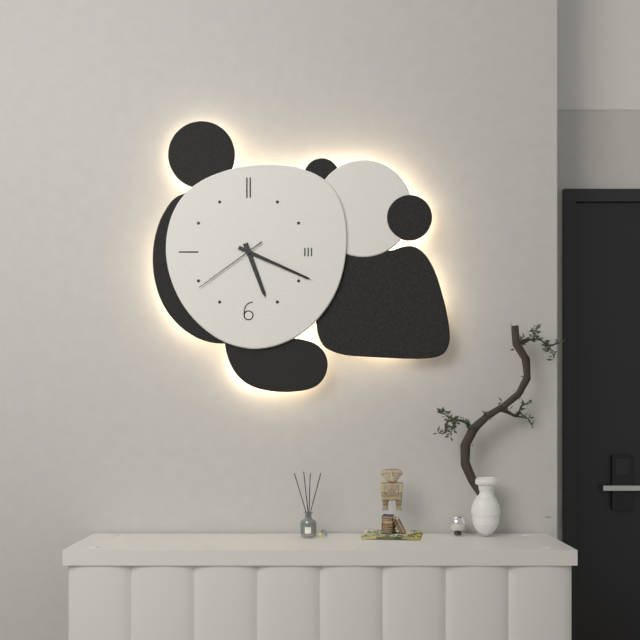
5:19:39
